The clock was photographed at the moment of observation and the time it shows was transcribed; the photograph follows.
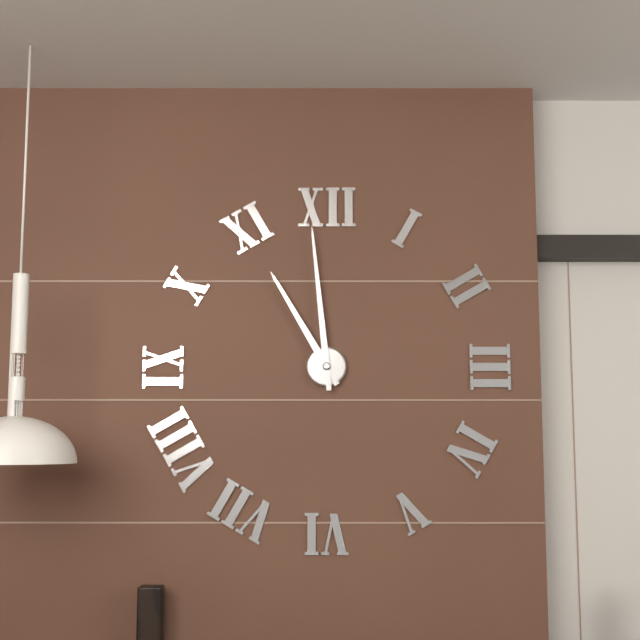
10:59
